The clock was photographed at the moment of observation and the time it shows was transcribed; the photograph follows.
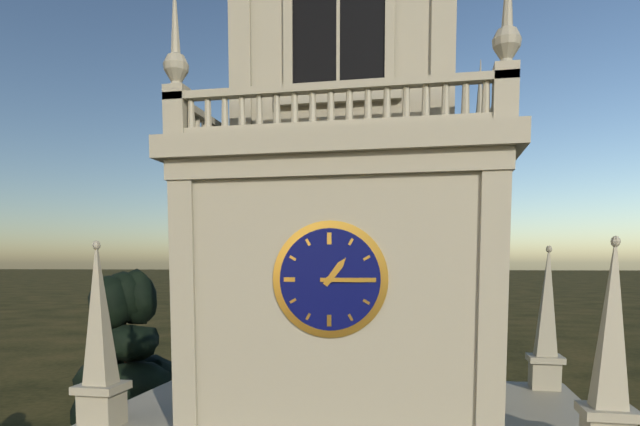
1:15
